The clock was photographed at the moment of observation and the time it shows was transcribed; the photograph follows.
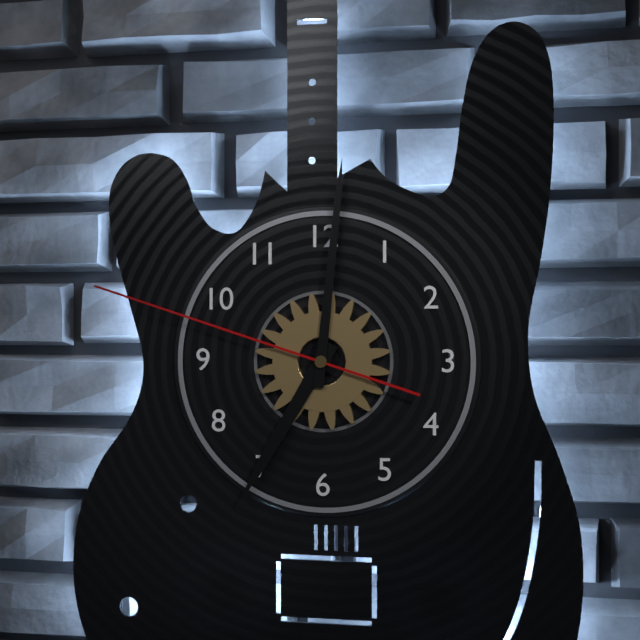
7:01:48
